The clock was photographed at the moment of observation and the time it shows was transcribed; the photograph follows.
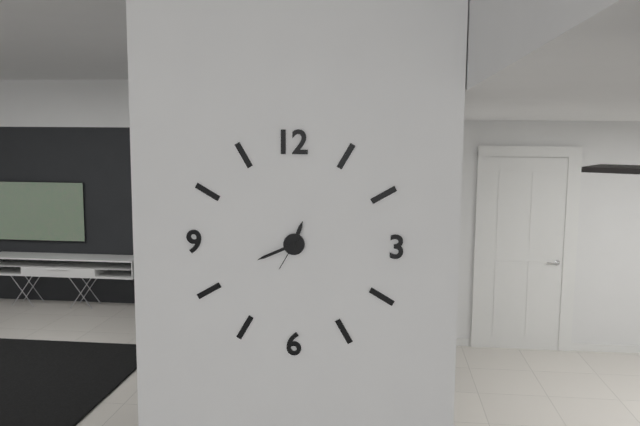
12:41
